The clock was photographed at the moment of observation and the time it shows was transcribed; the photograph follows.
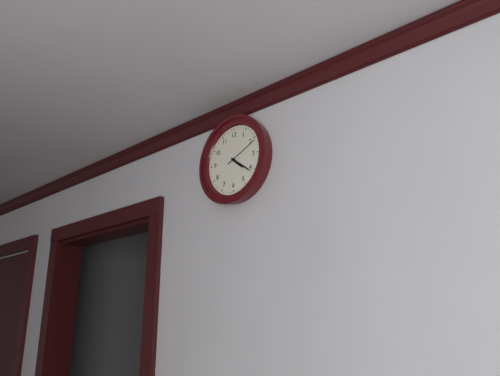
4:21
